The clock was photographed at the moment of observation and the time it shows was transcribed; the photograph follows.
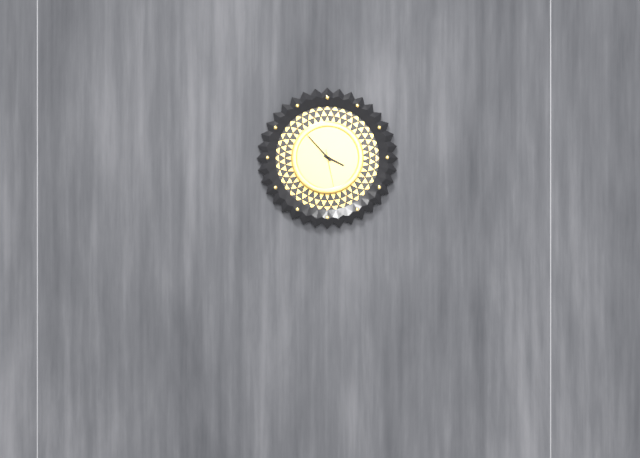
3:53
